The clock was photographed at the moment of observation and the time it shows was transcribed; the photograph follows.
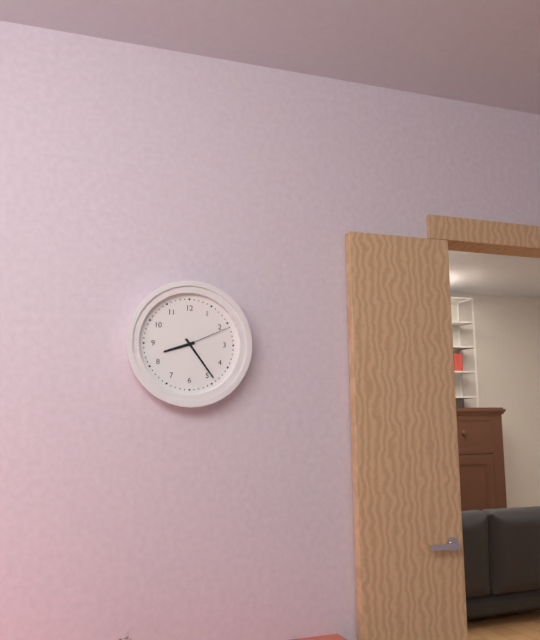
8:24:11
